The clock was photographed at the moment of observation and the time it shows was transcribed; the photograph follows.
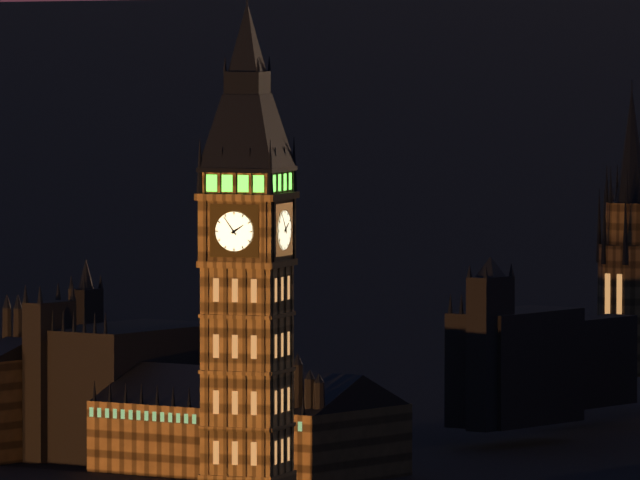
1:54
